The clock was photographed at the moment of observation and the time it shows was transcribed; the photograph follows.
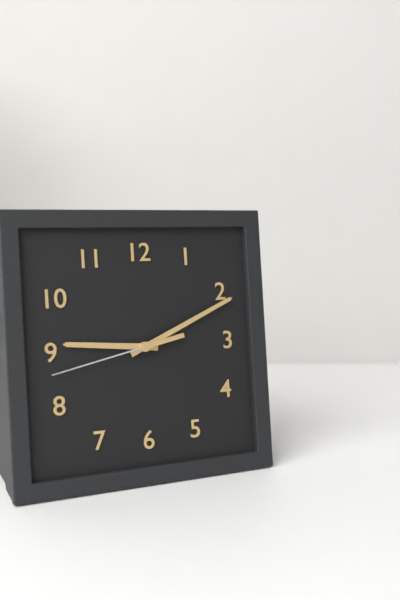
9:11:43
